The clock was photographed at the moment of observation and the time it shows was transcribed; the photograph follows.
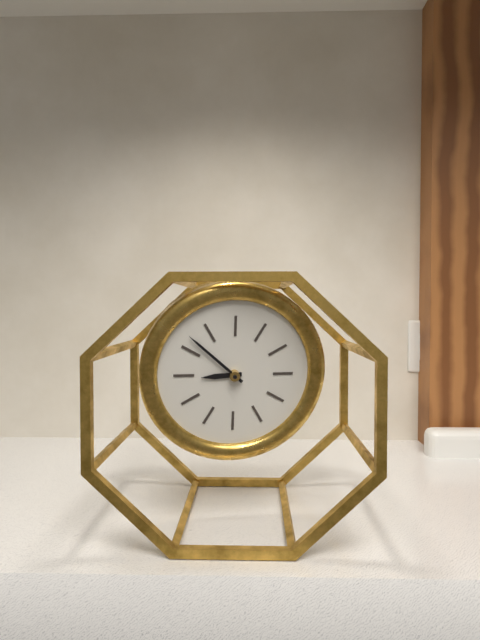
8:52
